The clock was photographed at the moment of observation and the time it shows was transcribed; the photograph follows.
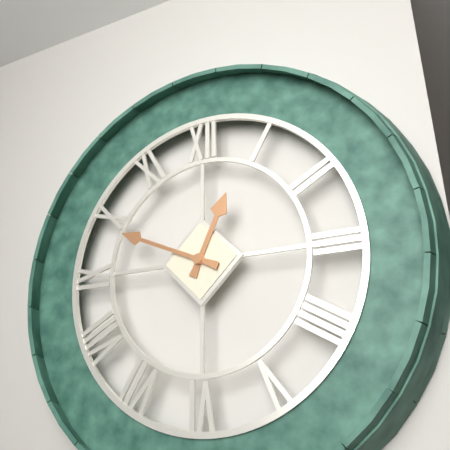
12:49
